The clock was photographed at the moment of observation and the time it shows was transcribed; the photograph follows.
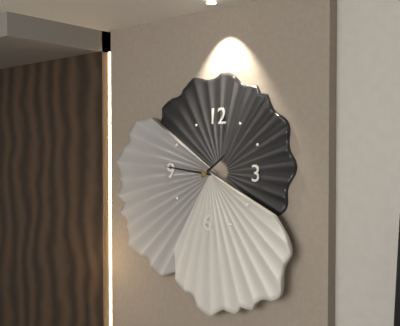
1:46
